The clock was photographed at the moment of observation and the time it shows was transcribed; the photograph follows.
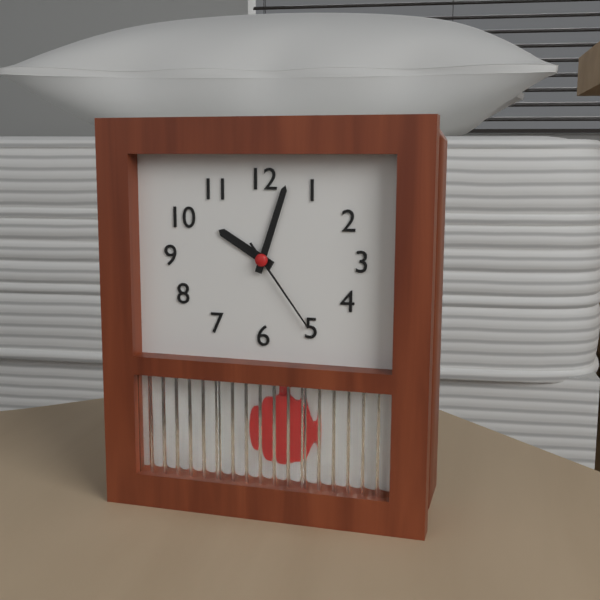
10:03:24
